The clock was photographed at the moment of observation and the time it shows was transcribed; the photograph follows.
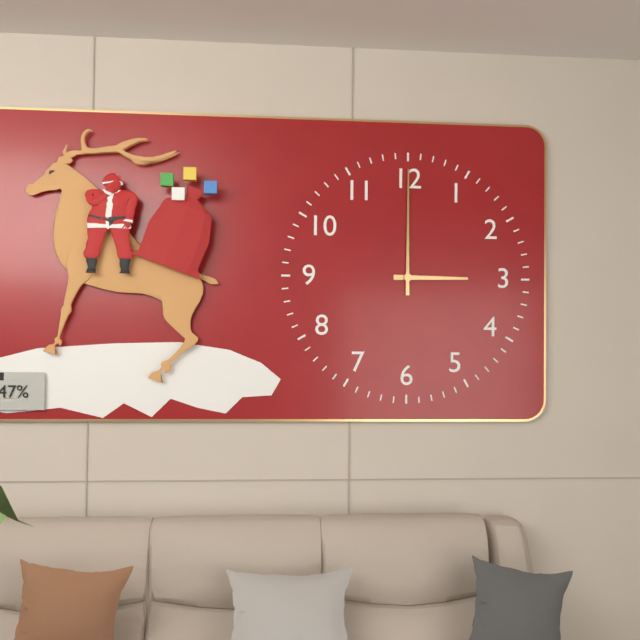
3:00
